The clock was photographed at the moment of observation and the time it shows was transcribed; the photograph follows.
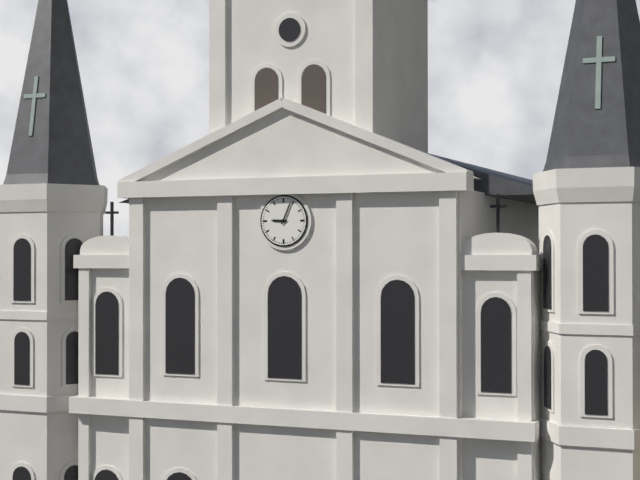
9:04
